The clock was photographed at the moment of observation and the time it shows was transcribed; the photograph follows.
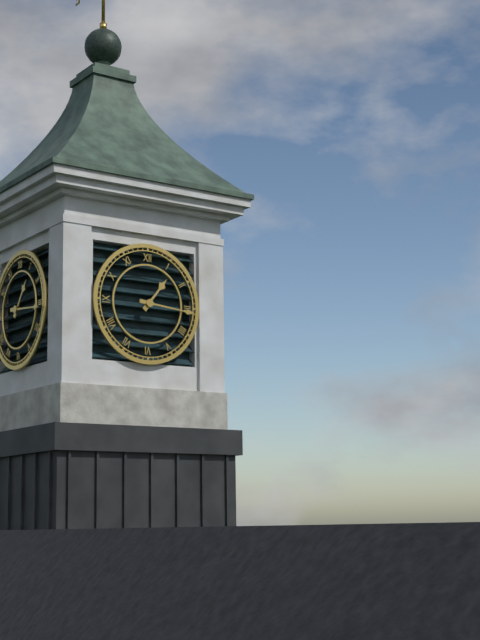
1:16
